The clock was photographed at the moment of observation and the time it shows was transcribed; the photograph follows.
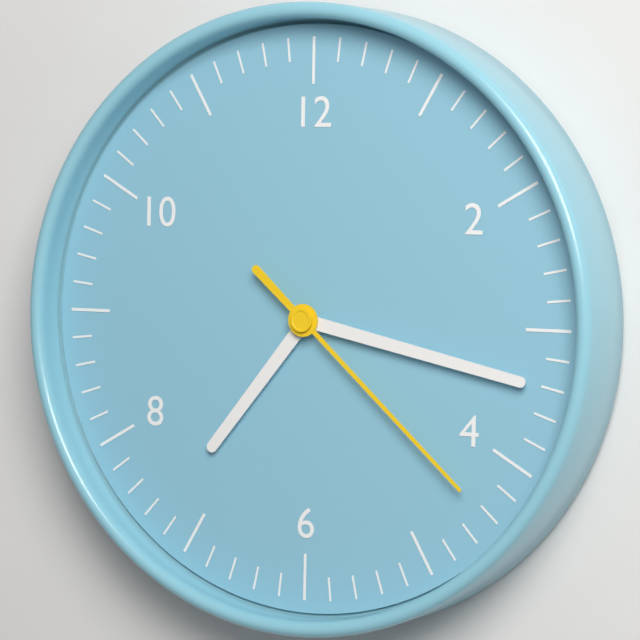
7:17:22
